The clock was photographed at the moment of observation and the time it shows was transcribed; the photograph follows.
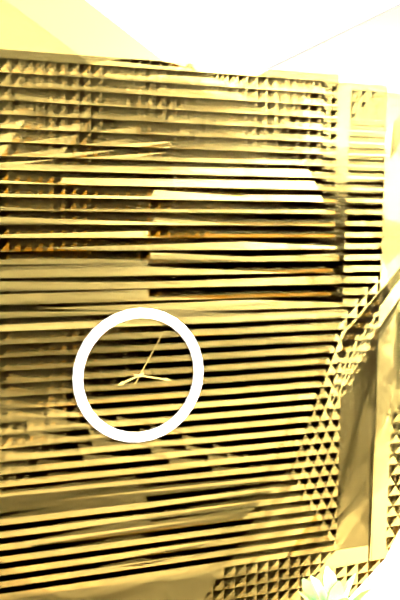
8:17:05
